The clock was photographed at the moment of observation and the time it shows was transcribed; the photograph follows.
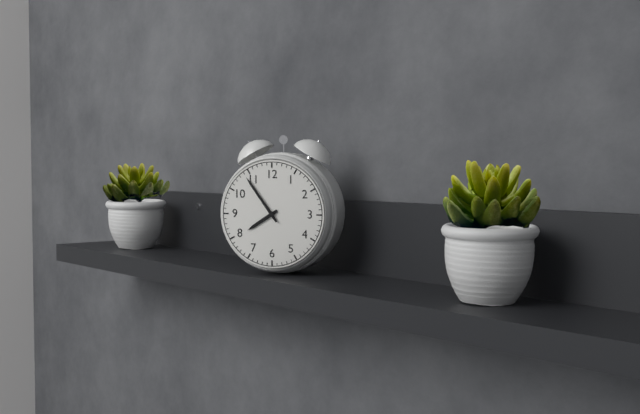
7:54
